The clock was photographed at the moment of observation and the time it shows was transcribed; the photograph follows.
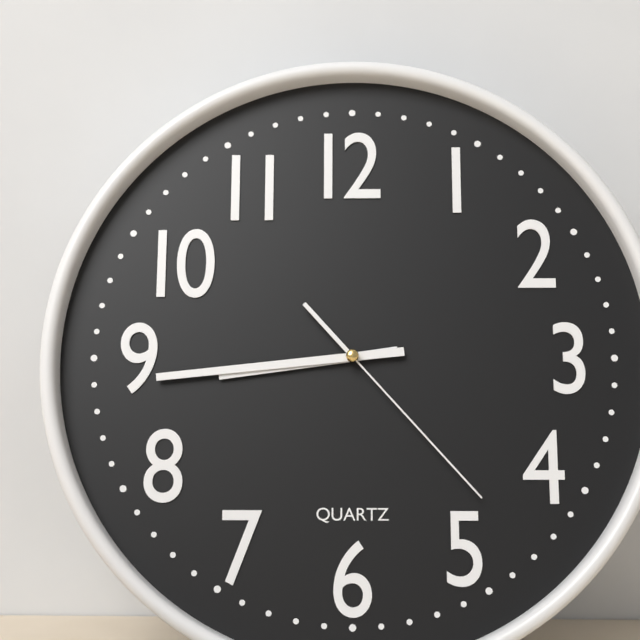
8:44:23
